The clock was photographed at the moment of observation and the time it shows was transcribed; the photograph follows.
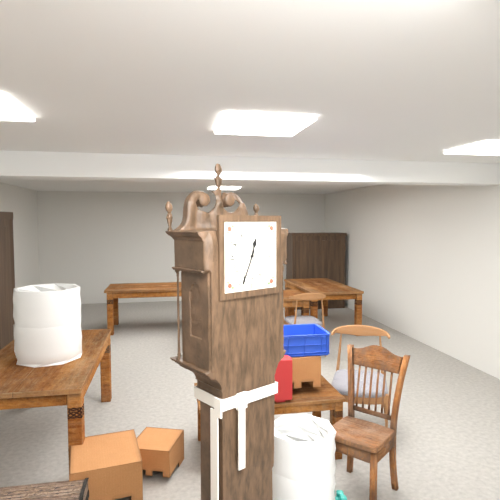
12:34
